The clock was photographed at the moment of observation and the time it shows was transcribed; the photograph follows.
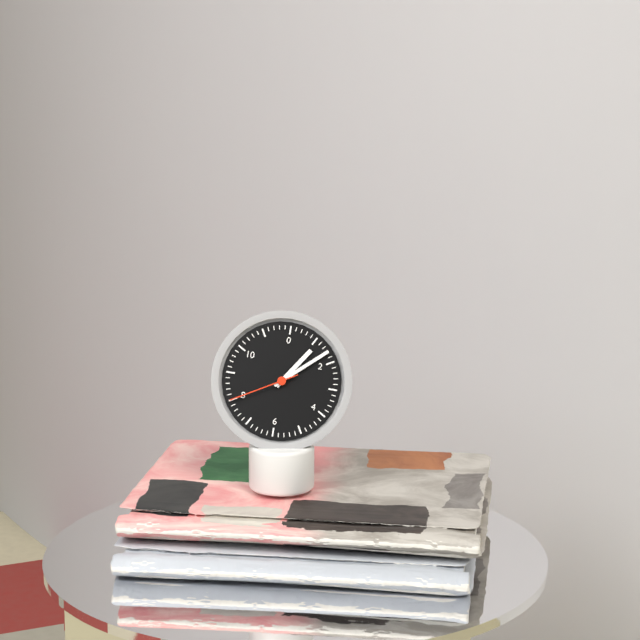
1:08:40
